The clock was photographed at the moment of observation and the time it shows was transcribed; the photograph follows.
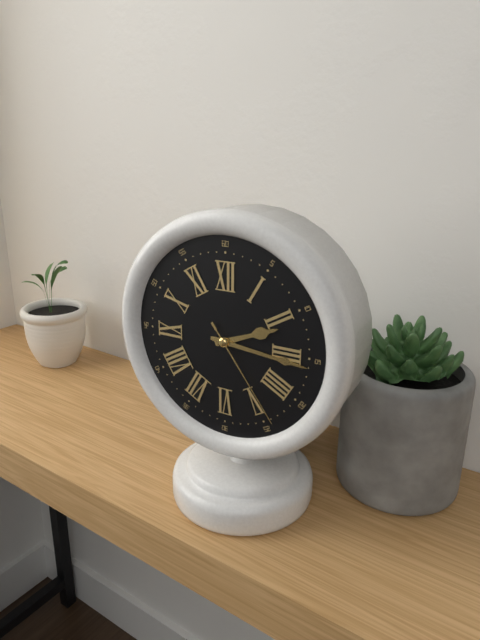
2:16:24
